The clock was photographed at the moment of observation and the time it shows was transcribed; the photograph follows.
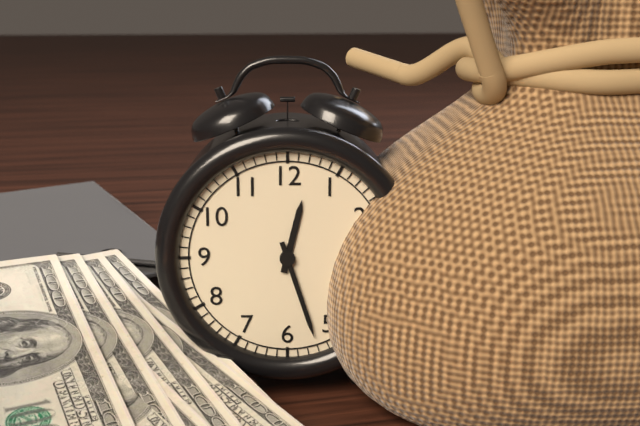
12:27
